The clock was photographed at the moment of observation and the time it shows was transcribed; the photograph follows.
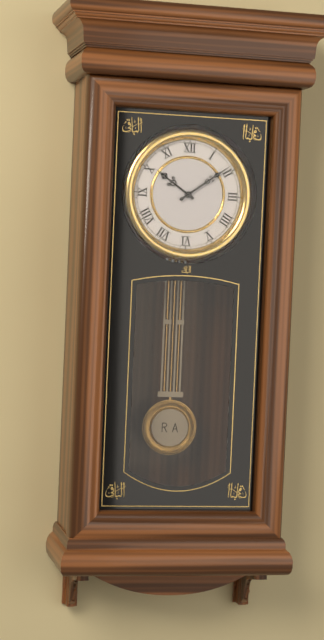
10:09
